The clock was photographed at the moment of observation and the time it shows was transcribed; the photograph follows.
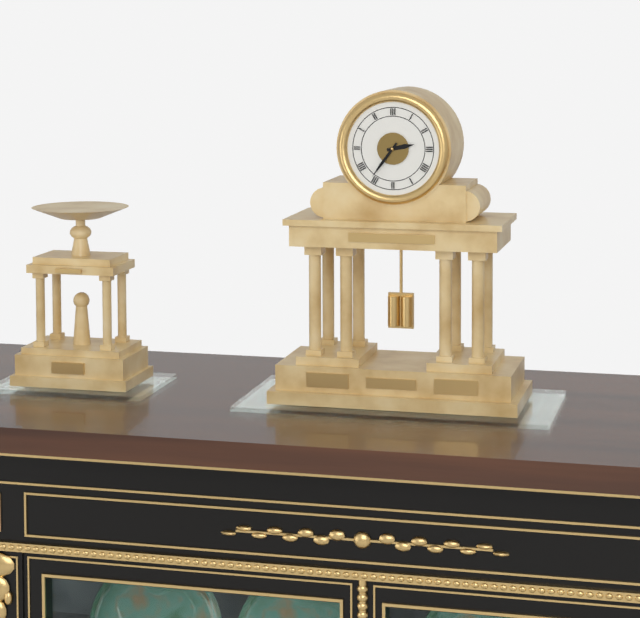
2:36
